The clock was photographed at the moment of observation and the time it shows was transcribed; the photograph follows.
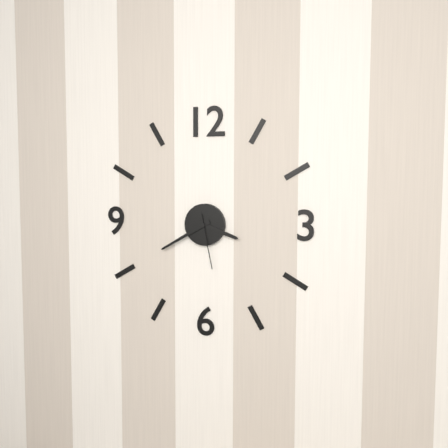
3:40:28
